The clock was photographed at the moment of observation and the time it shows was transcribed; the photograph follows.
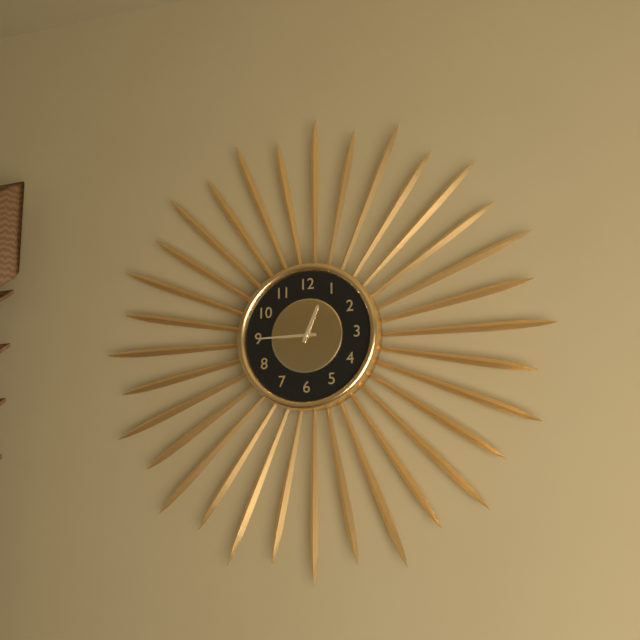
12:45
